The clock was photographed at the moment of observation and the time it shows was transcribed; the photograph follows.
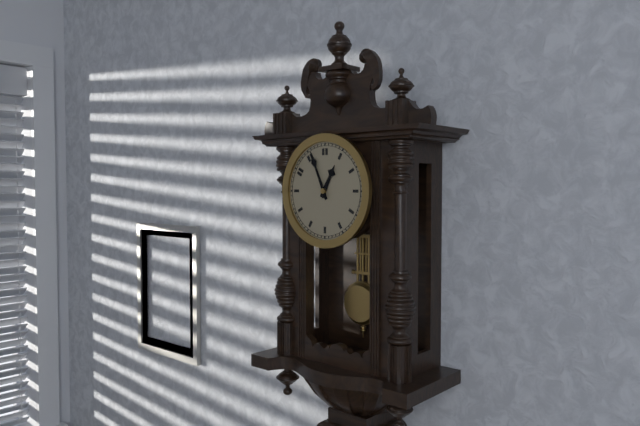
12:56
